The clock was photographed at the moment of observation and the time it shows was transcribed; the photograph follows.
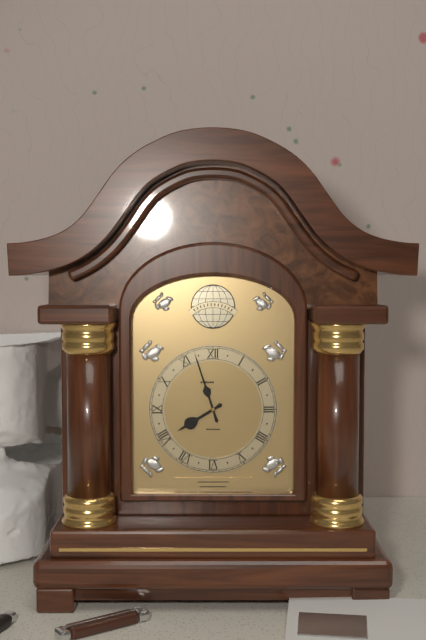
7:57
